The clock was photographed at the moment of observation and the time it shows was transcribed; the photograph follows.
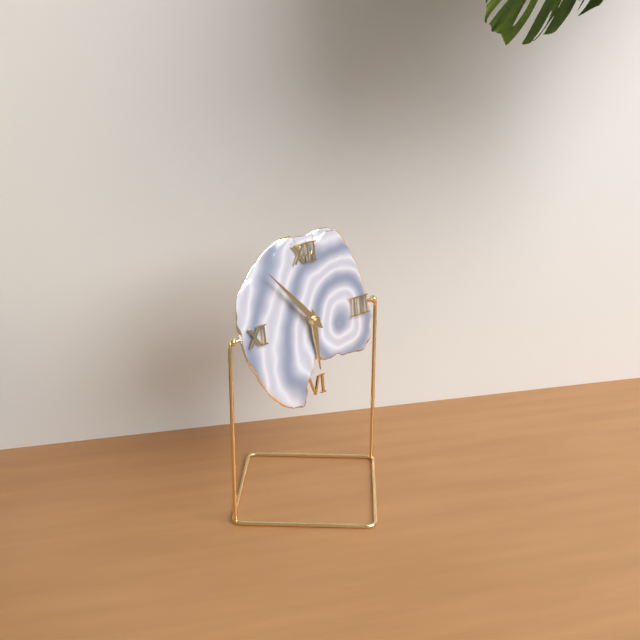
5:53
